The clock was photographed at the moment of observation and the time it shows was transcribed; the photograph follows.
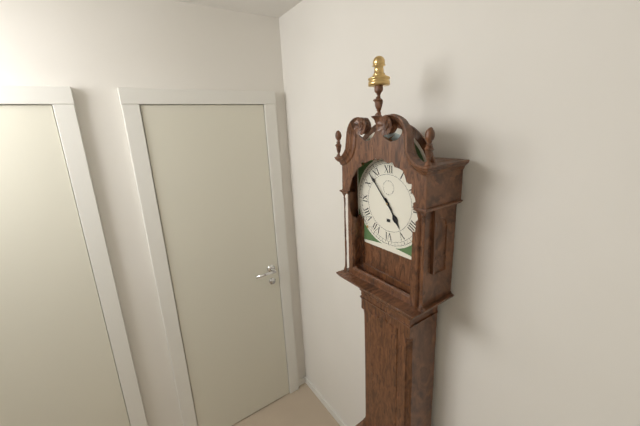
4:53
